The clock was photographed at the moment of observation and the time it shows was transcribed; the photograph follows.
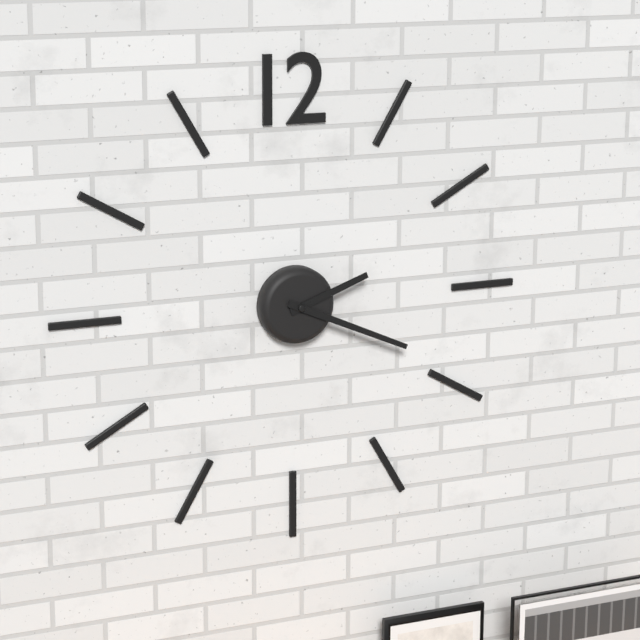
2:19
